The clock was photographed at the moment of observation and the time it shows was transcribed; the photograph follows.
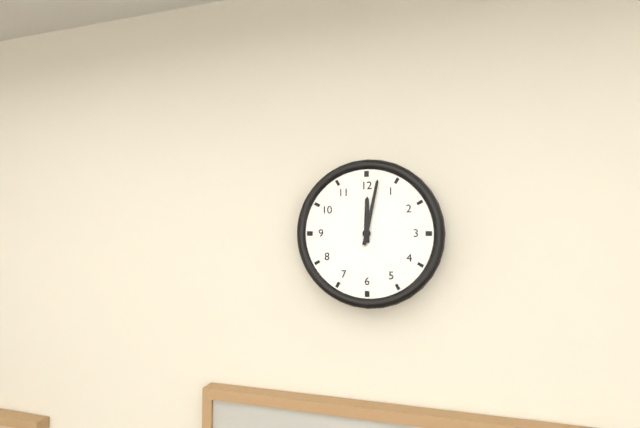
12:02
